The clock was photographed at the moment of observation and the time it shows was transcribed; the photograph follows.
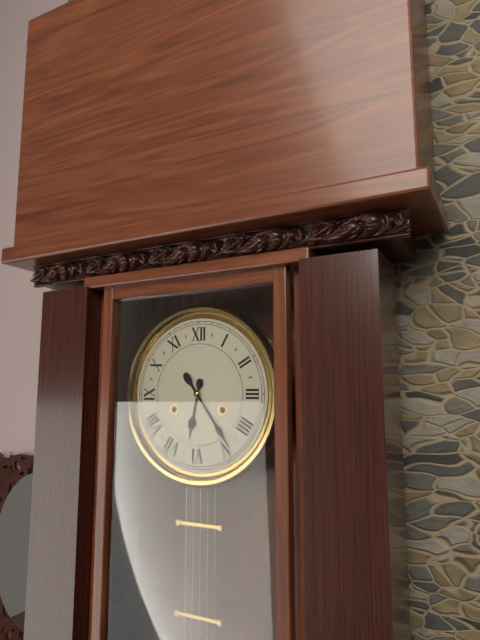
6:24
